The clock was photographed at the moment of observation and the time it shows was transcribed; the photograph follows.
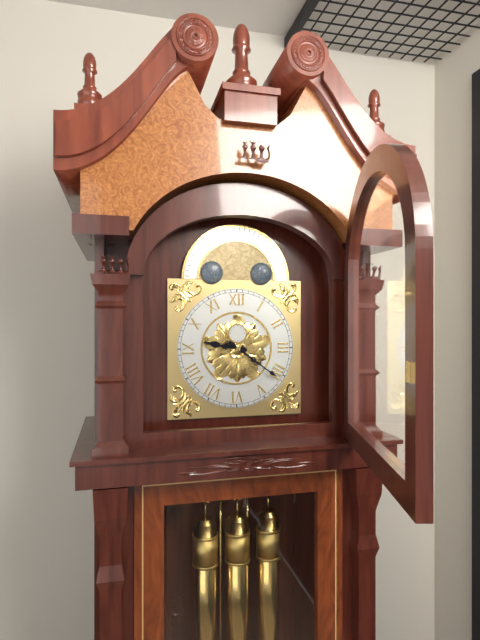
9:21
